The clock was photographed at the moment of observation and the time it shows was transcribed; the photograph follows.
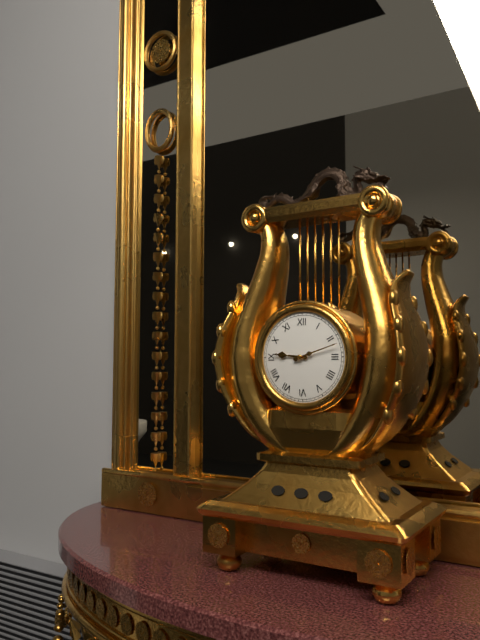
9:12
